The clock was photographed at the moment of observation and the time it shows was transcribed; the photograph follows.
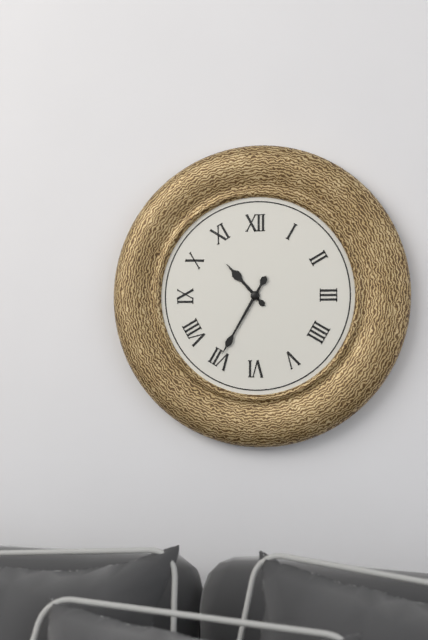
10:35
